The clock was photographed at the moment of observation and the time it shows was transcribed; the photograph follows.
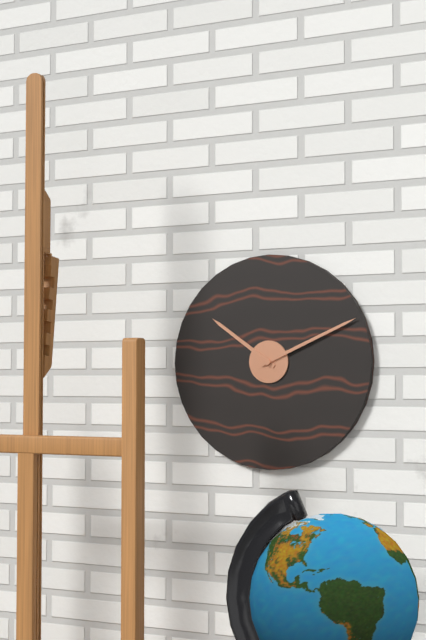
10:11
